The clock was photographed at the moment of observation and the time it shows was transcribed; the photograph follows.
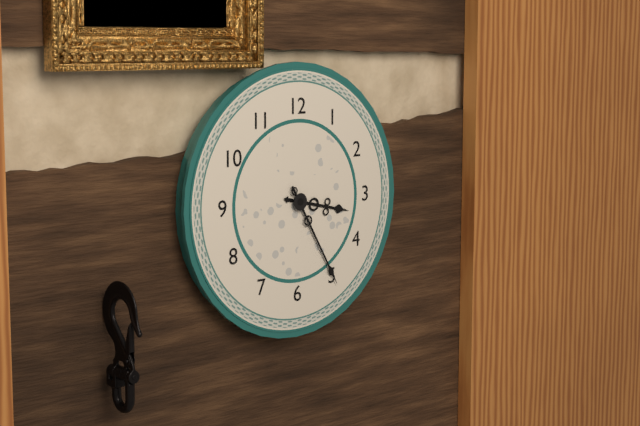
3:25
